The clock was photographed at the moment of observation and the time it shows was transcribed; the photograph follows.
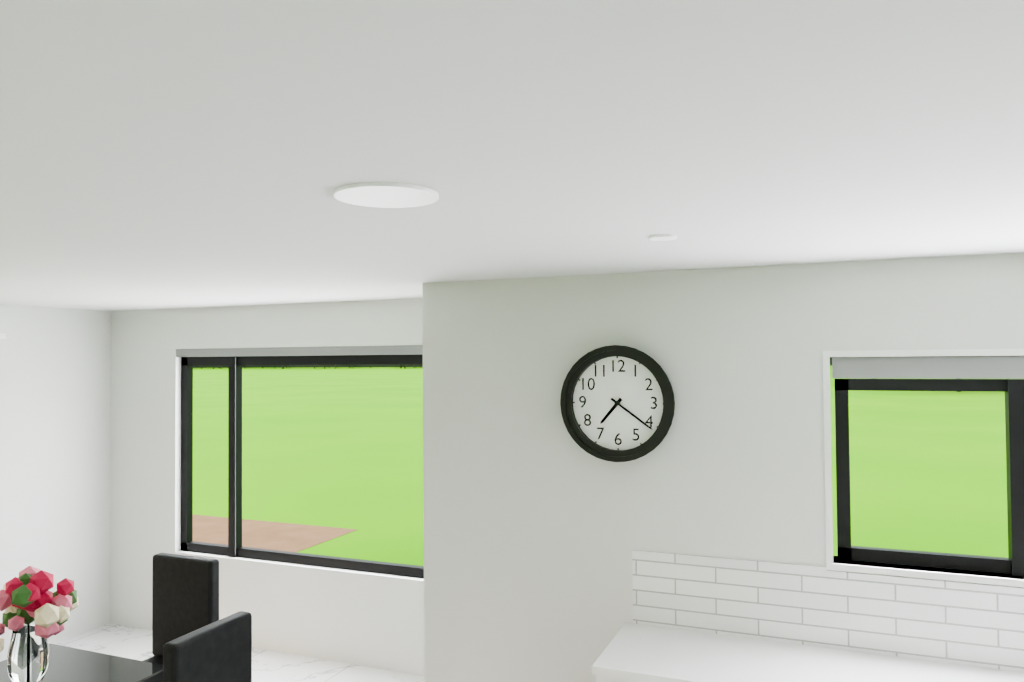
7:21
